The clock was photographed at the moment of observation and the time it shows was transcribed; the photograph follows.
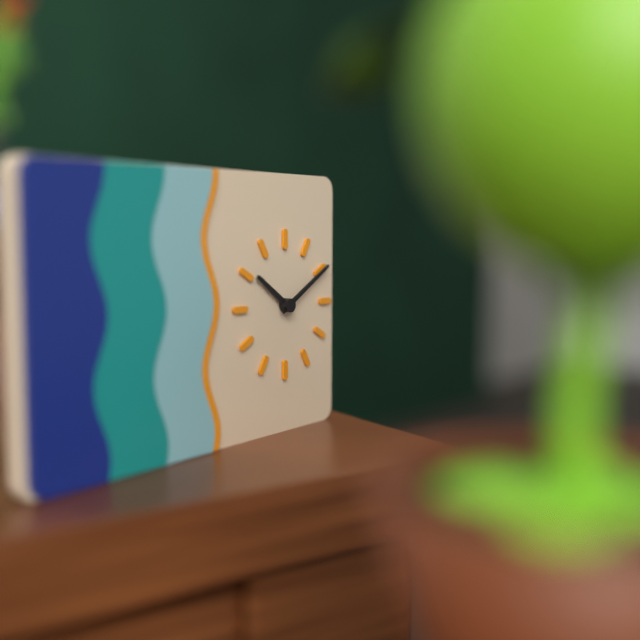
10:10
